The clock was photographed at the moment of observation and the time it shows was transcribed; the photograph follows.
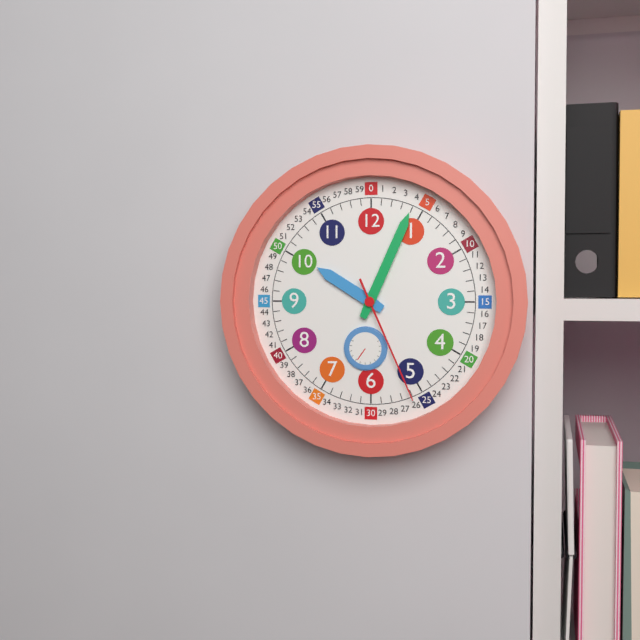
10:04:26
